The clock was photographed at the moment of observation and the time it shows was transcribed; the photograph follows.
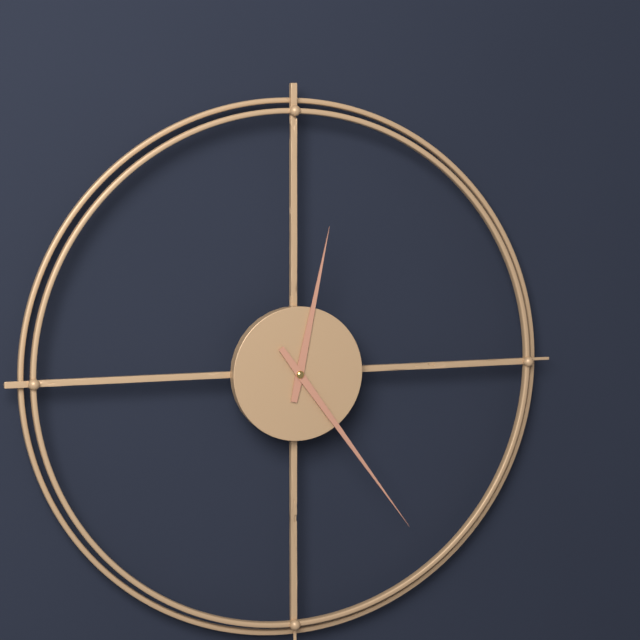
12:24
